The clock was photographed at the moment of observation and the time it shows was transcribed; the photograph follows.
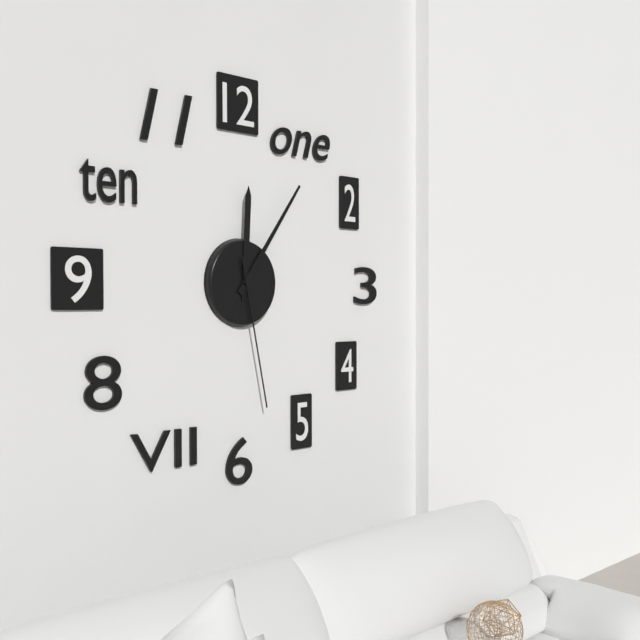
12:06:28
